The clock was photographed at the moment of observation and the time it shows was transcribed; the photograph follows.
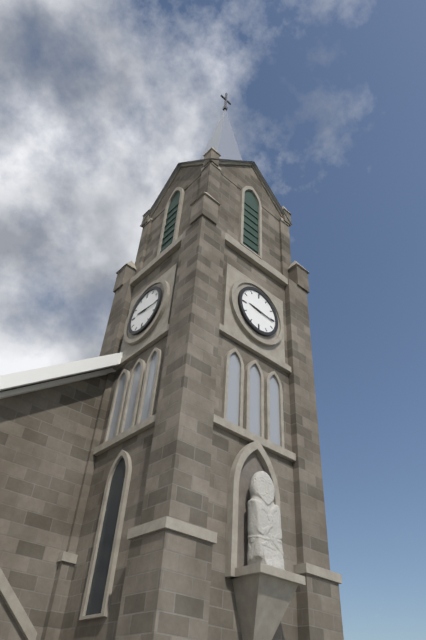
9:16
